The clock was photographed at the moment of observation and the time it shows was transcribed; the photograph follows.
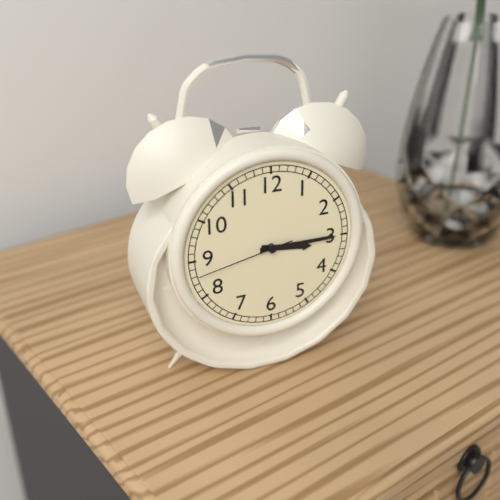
3:15:43
